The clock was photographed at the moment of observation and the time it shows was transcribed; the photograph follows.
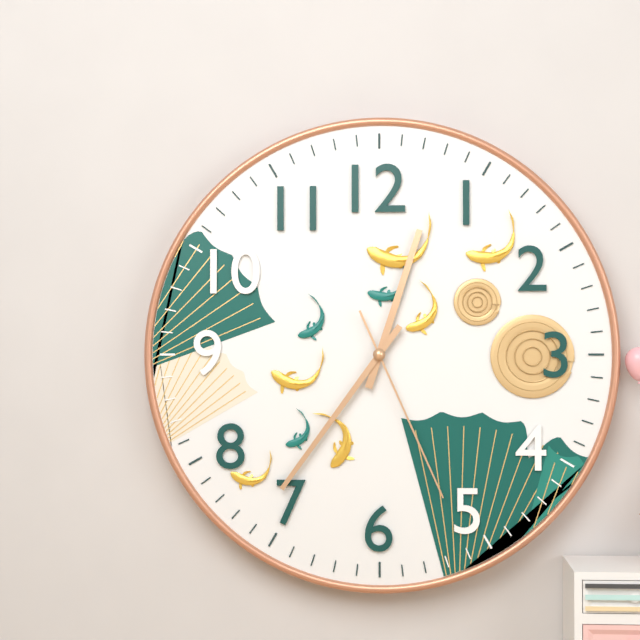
12:36:26
